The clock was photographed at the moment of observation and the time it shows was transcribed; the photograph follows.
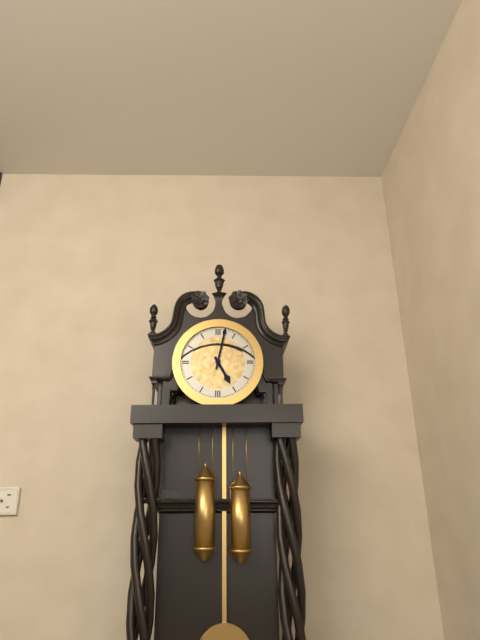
5:02
